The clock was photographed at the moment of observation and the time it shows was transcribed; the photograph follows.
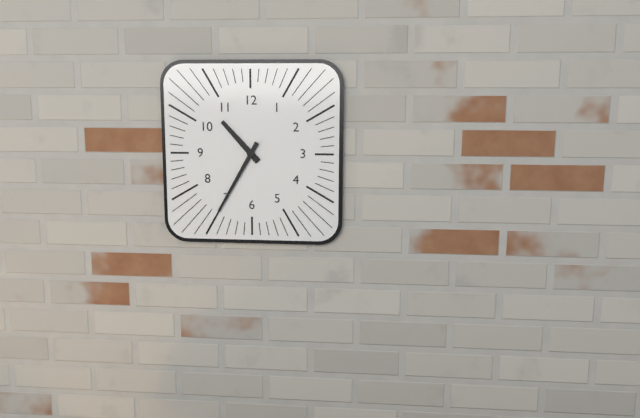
10:35
